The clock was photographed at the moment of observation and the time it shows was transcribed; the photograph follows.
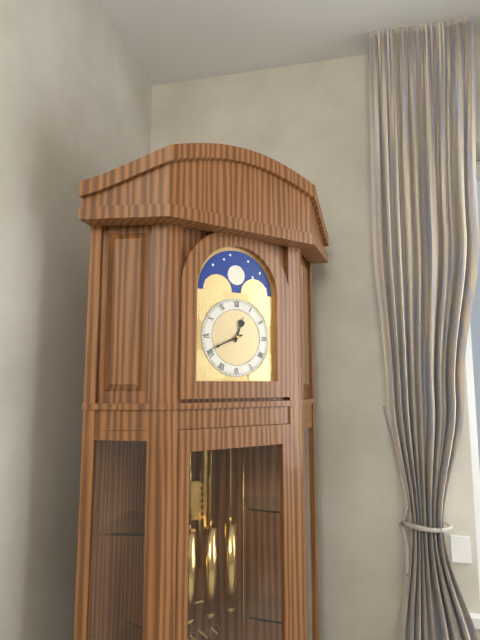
12:41
